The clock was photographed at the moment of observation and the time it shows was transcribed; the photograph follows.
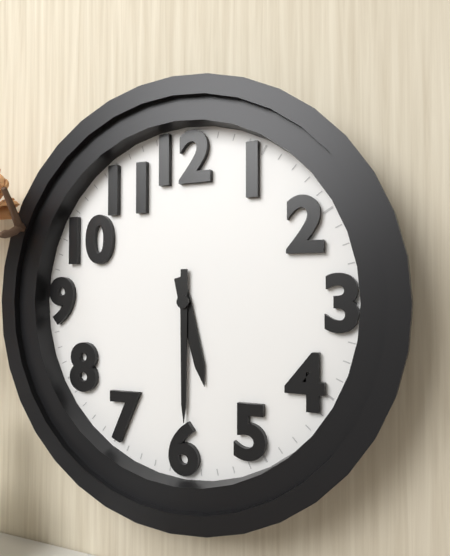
5:30
